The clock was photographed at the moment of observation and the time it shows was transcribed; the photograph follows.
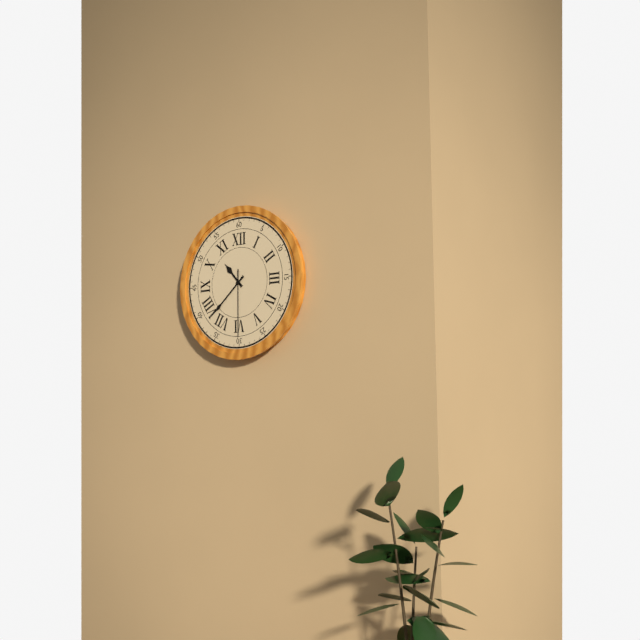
10:38:30
